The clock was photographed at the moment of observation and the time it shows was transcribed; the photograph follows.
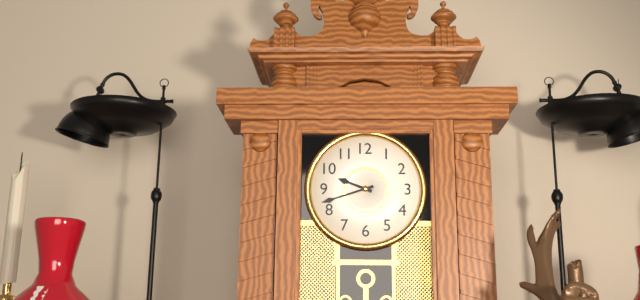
9:42
